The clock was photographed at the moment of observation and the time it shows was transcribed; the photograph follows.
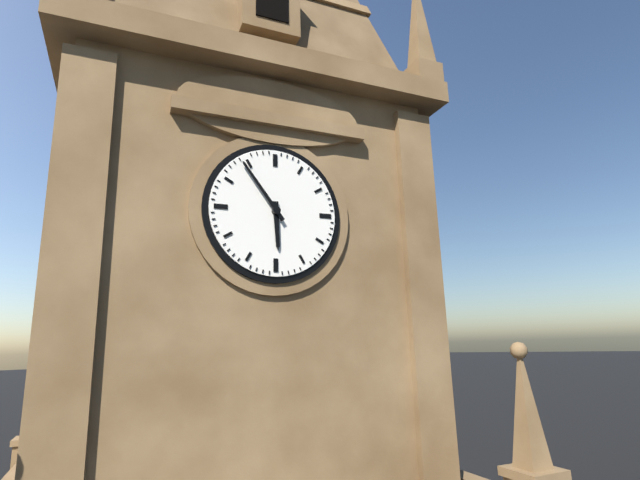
5:54
